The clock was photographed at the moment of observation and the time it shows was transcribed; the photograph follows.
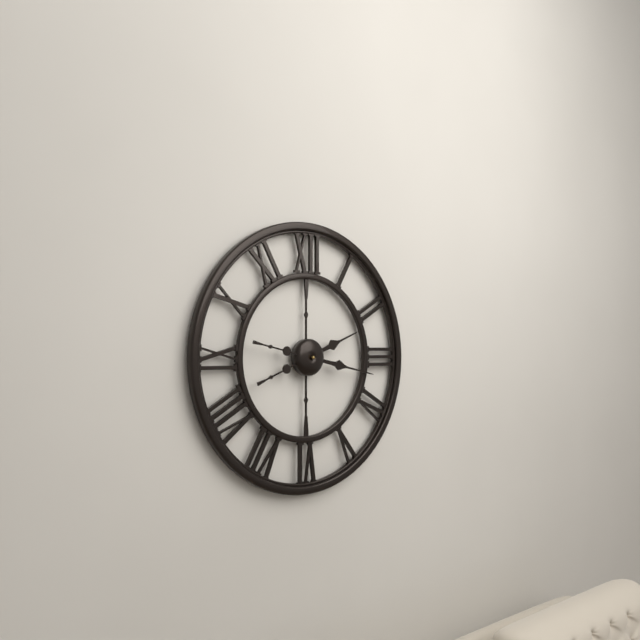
2:17
